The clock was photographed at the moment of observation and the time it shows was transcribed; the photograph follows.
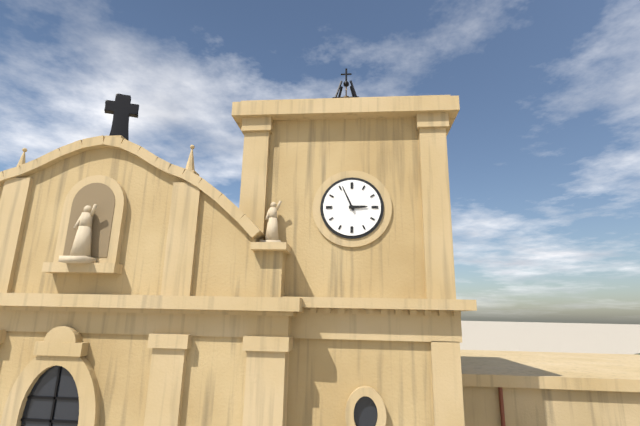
2:56
